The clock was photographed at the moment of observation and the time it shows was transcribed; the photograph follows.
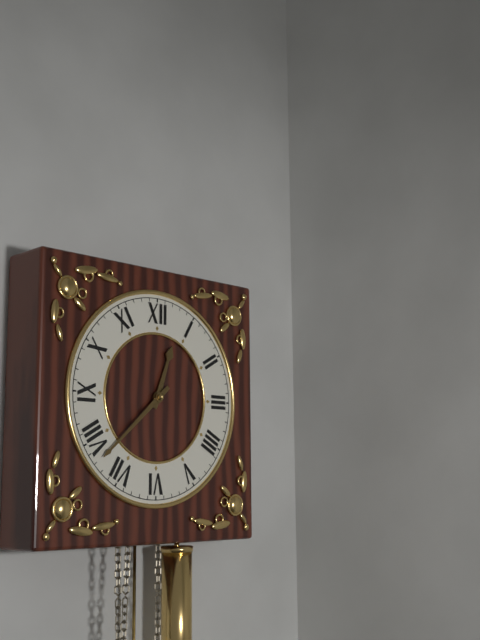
12:38
